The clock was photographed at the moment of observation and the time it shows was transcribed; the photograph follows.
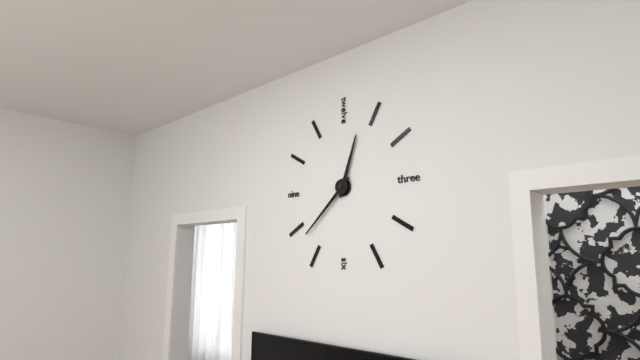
12:38
